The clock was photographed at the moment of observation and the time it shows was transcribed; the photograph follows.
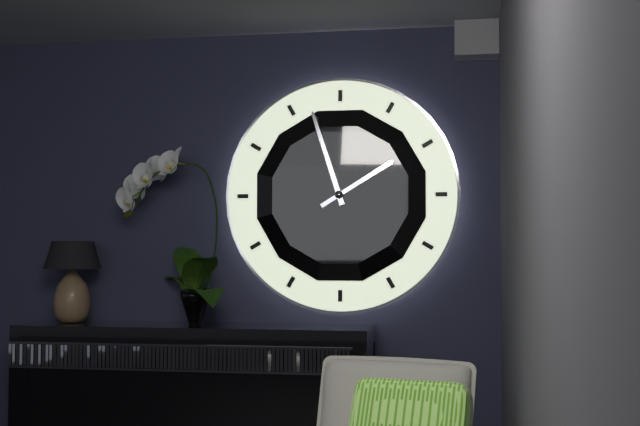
1:57
